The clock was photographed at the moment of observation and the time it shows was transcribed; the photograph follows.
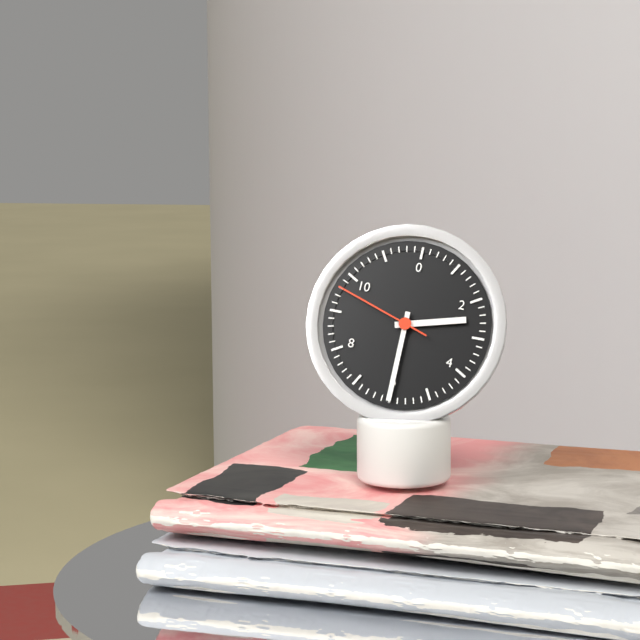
2:30:48
